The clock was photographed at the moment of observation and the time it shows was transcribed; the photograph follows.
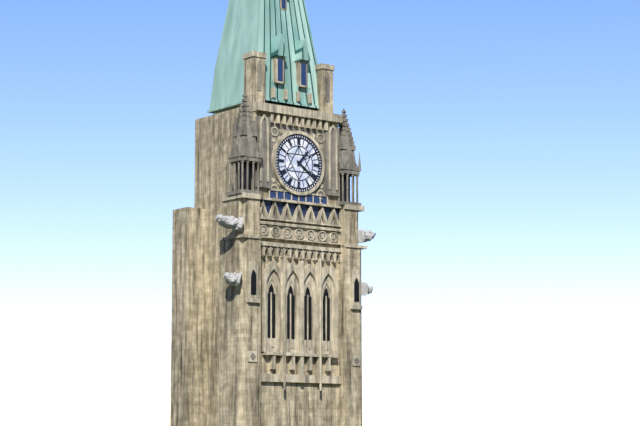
1:21
